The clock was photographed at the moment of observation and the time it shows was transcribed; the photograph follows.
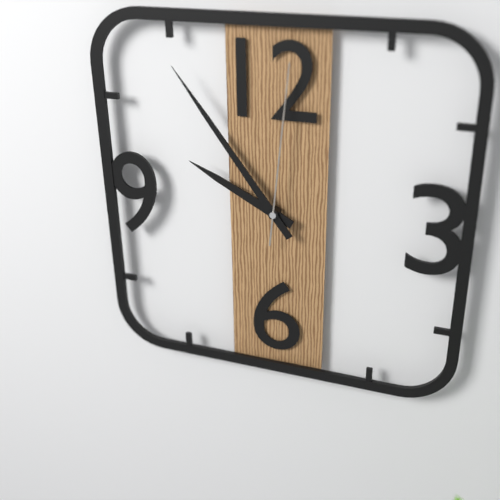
9:54:01
